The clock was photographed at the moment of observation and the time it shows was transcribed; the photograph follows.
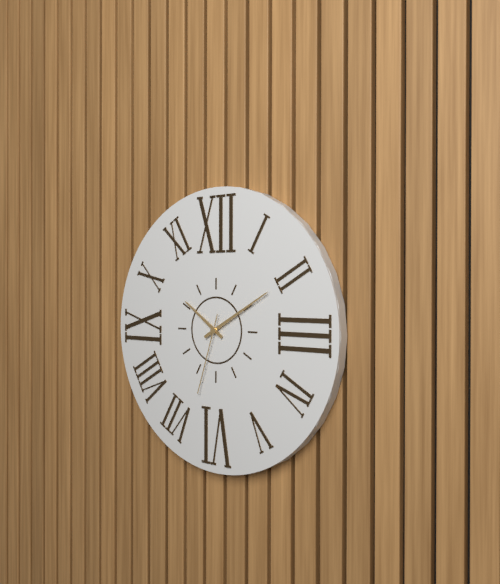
10:10:33
